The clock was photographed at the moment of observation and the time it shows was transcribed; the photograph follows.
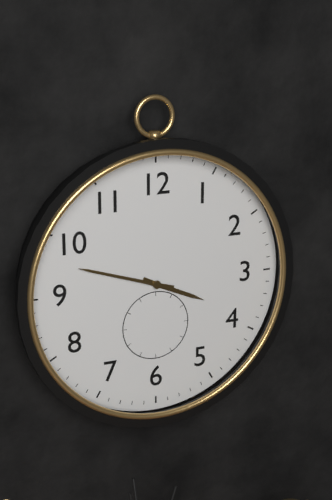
3:48
